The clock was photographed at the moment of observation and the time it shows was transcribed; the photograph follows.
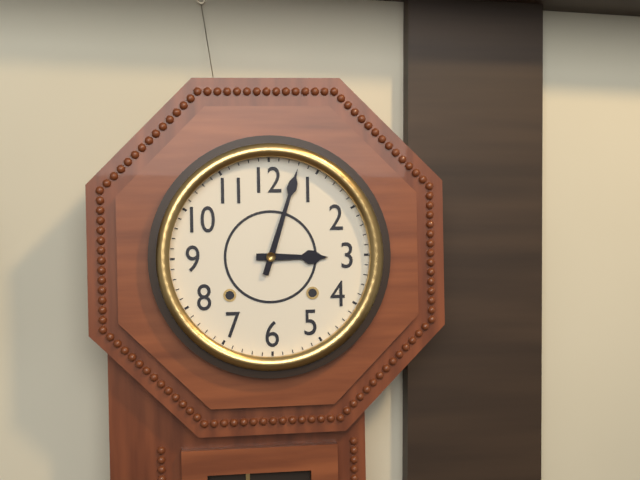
3:03
